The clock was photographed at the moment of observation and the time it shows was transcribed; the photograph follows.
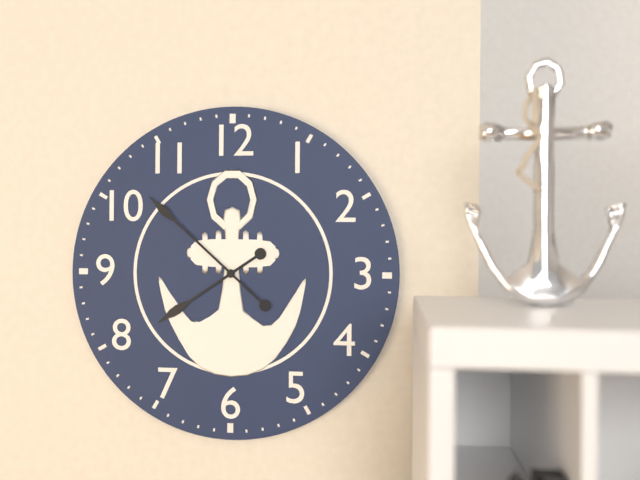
7:52
